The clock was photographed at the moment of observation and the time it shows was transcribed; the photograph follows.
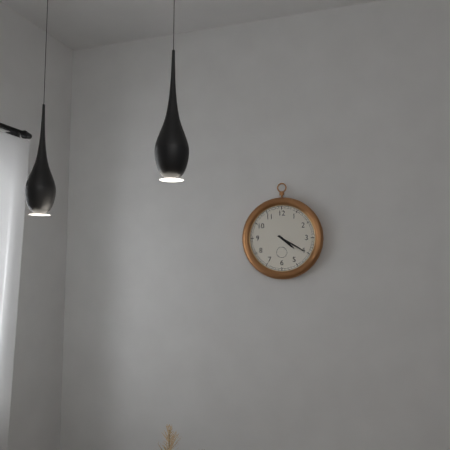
4:20
